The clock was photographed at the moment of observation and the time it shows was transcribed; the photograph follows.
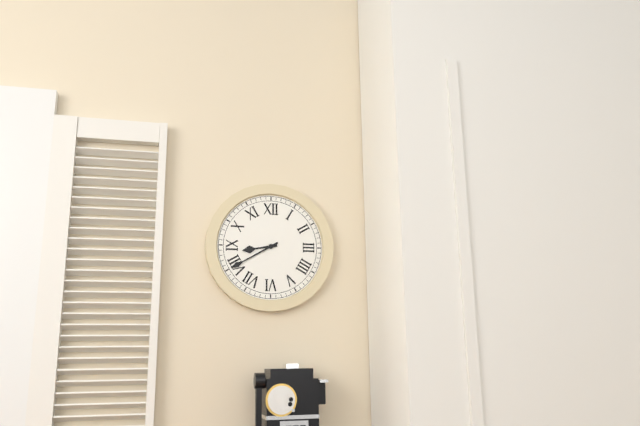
8:40
